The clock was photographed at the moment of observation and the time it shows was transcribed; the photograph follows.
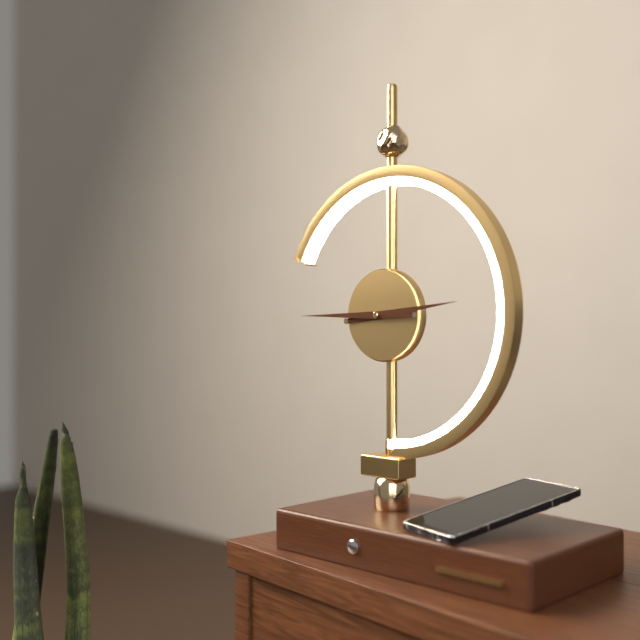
2:45
